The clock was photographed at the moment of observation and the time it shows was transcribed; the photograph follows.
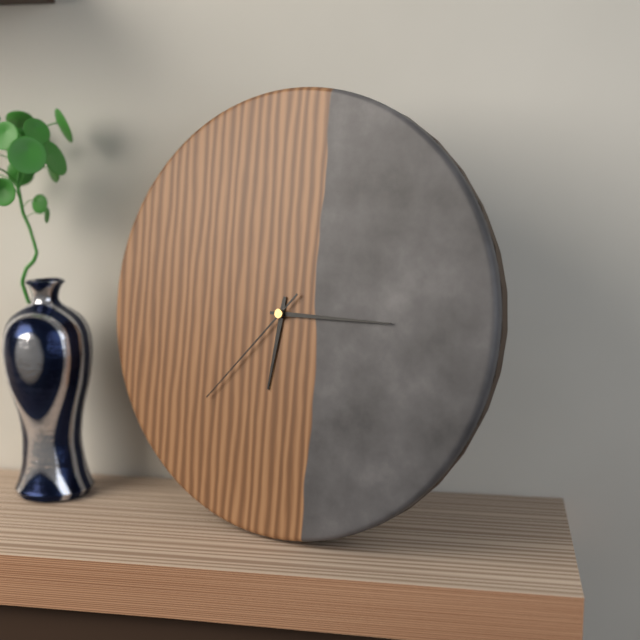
6:15:37
